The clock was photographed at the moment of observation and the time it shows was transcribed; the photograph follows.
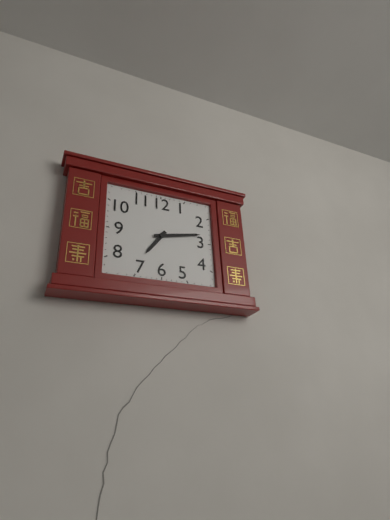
7:13
